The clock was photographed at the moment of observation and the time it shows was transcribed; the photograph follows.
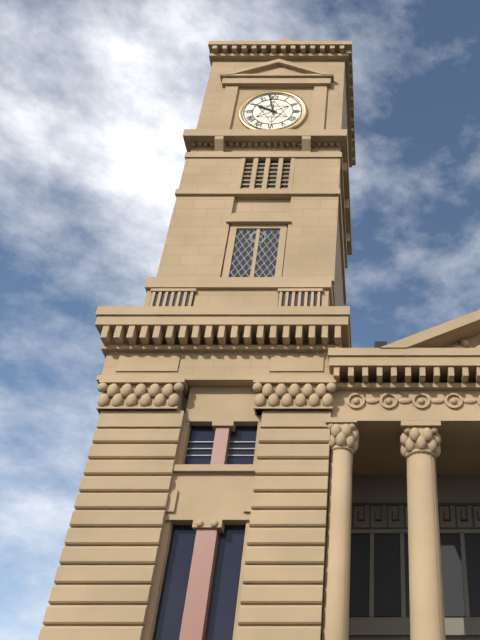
9:58
